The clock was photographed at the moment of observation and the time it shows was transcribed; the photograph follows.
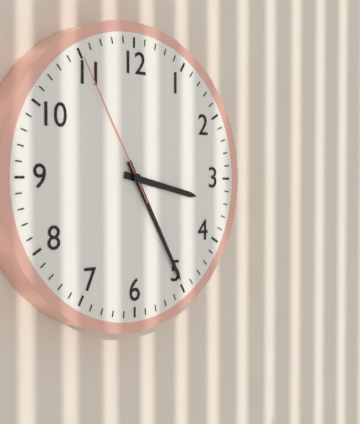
3:25:55
